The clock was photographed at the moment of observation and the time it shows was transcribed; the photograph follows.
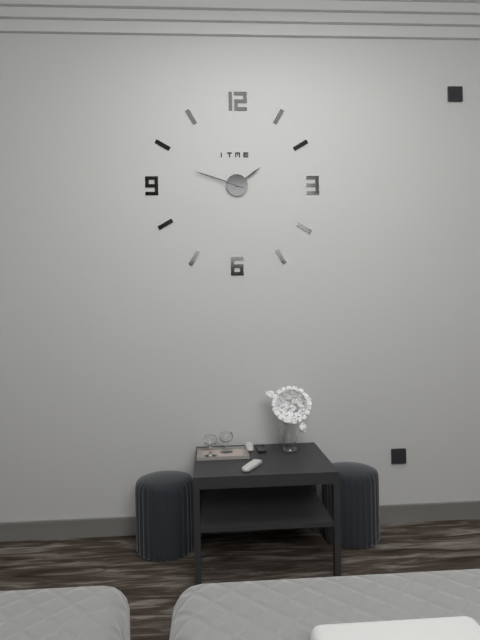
1:48
